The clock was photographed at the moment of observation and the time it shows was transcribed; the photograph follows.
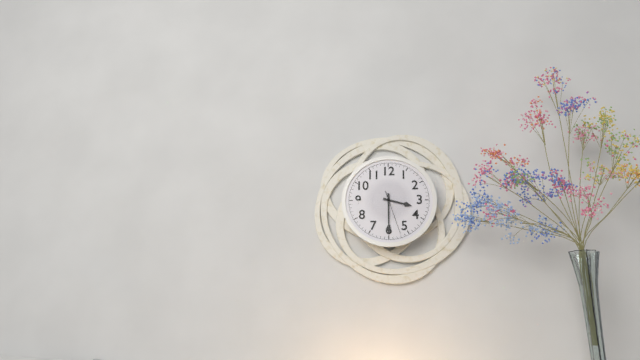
3:30
